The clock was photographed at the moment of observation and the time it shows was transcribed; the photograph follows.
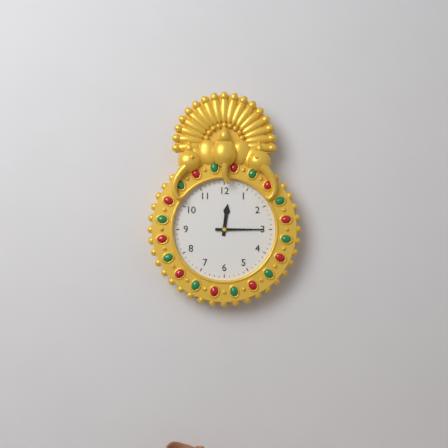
12:15
